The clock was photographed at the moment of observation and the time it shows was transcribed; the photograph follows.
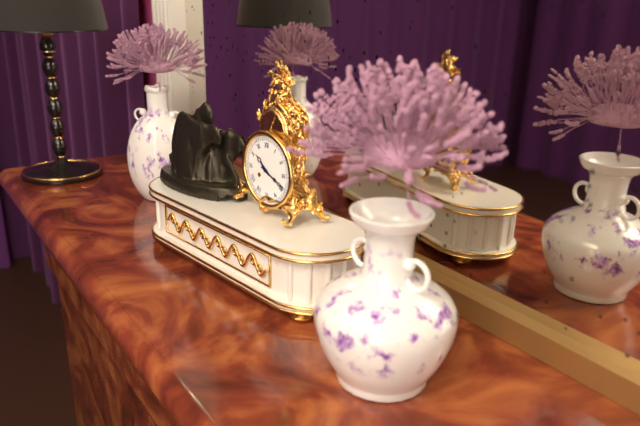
10:19
